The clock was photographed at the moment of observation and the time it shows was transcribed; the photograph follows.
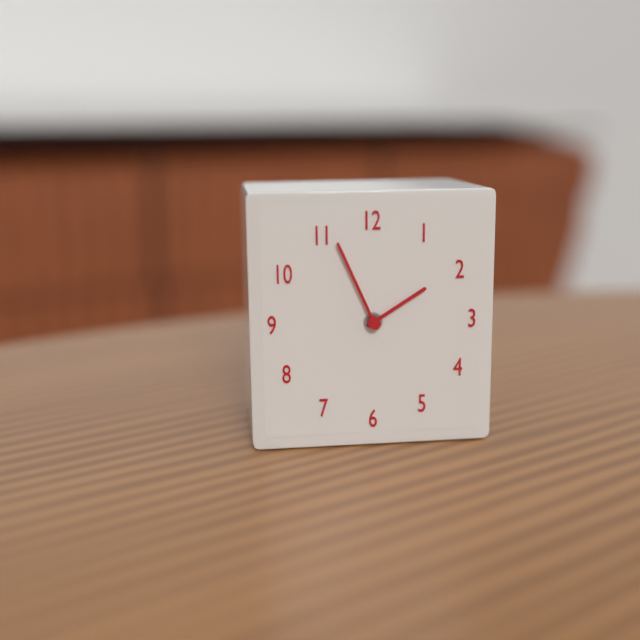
1:56
